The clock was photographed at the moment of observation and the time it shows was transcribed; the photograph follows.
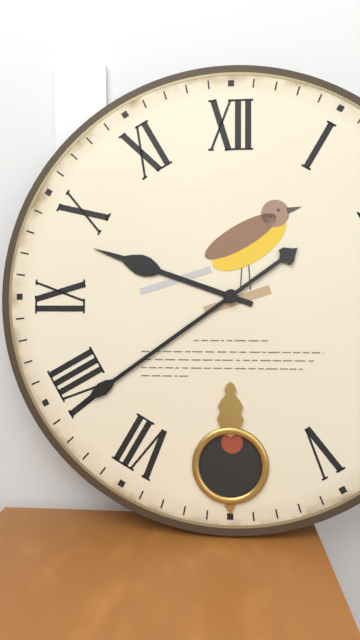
9:39
